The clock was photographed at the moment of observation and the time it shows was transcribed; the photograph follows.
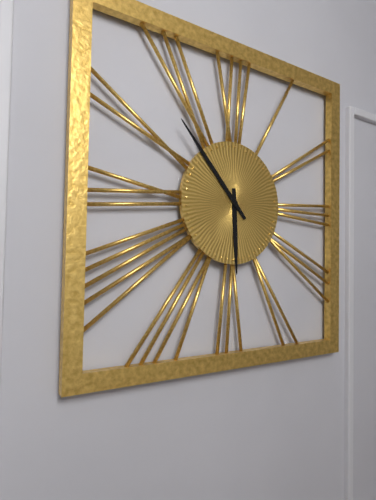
5:53
